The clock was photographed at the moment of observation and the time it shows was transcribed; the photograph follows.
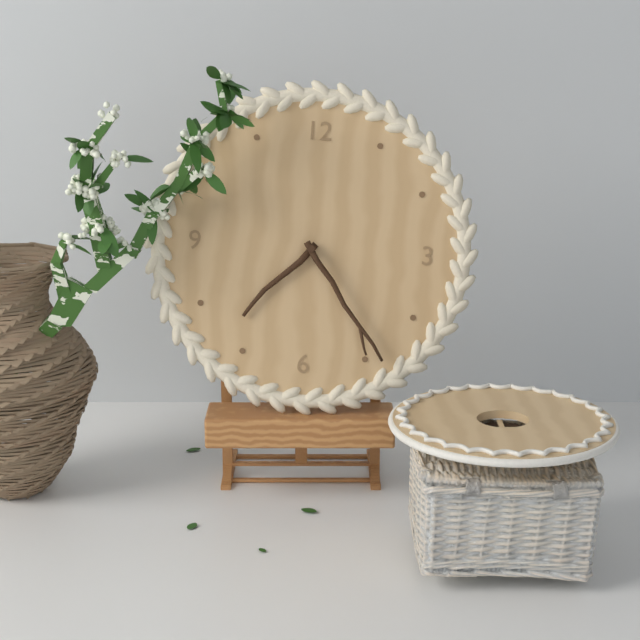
7:24
